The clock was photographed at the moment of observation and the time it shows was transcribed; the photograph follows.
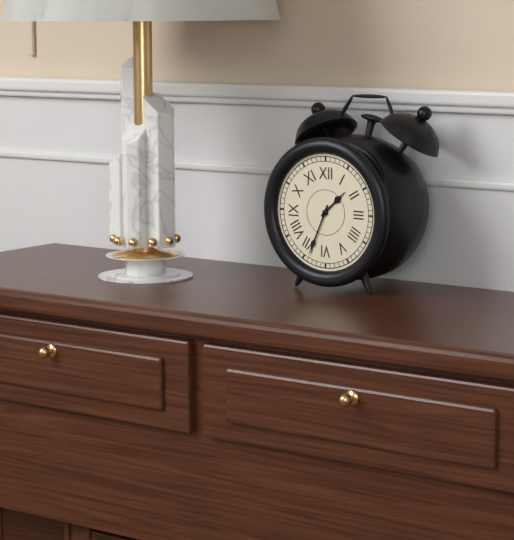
1:34
